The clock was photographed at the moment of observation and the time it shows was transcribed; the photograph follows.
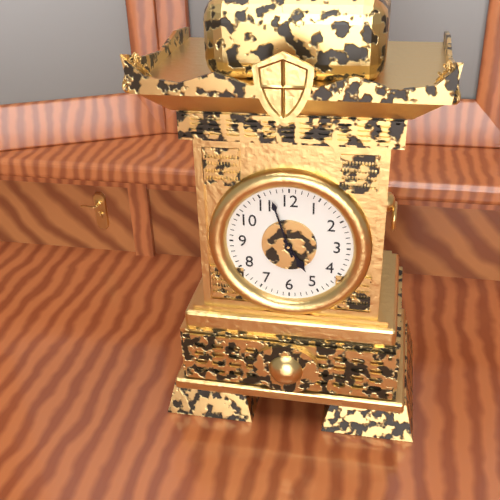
4:57
